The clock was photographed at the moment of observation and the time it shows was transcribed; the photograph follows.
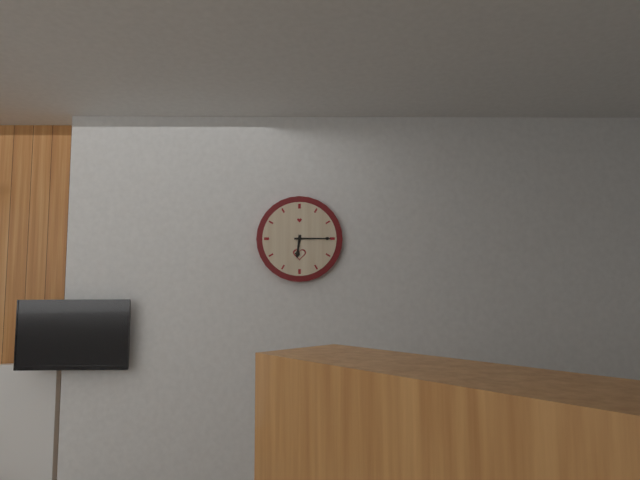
6:15
